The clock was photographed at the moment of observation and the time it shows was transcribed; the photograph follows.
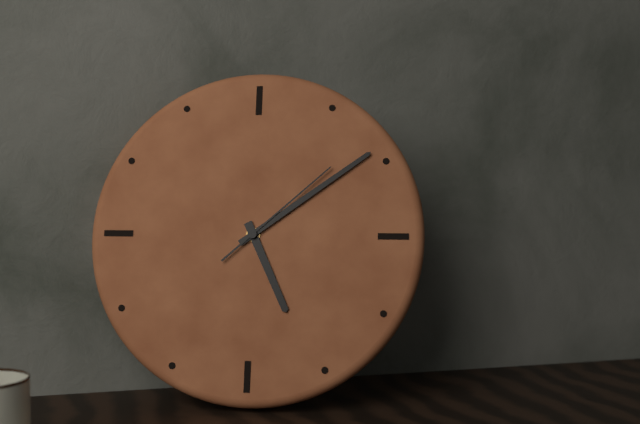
5:09:08
